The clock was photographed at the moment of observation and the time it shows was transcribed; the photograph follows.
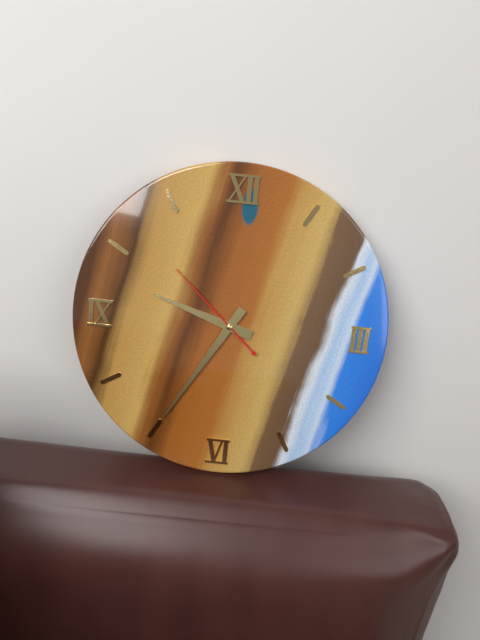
9:35:52
